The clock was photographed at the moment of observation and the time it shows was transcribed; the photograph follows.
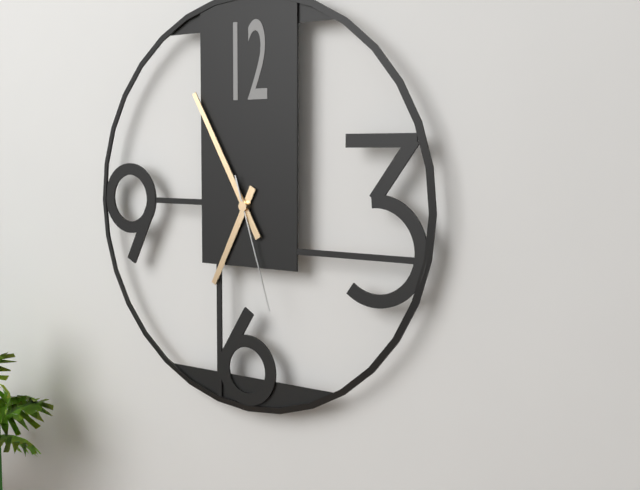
6:55:27
